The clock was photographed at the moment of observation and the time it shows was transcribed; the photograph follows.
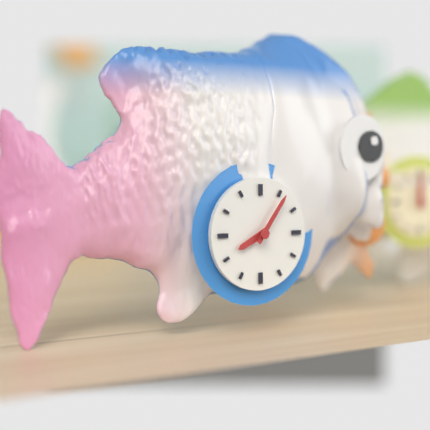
8:06
